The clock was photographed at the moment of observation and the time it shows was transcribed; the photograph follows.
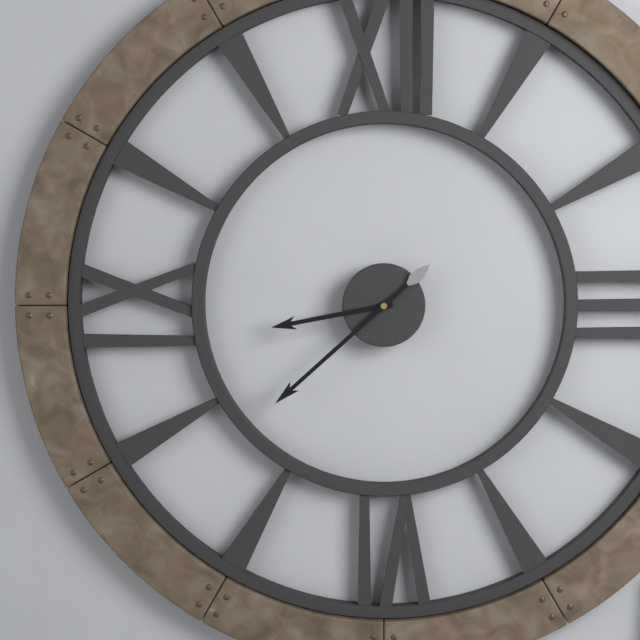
8:38
